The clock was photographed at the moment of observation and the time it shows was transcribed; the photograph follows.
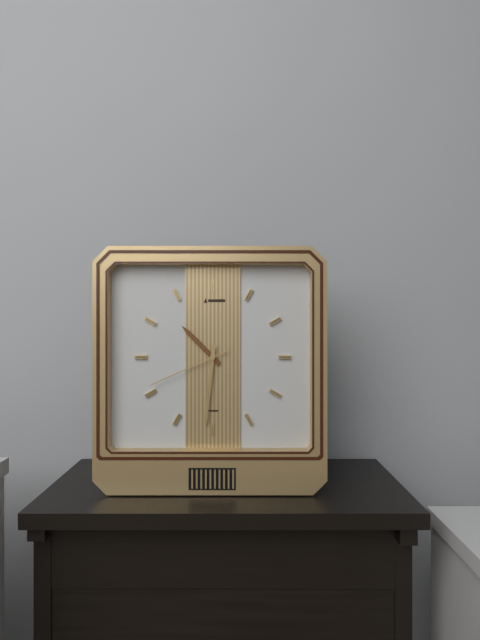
10:31:41
